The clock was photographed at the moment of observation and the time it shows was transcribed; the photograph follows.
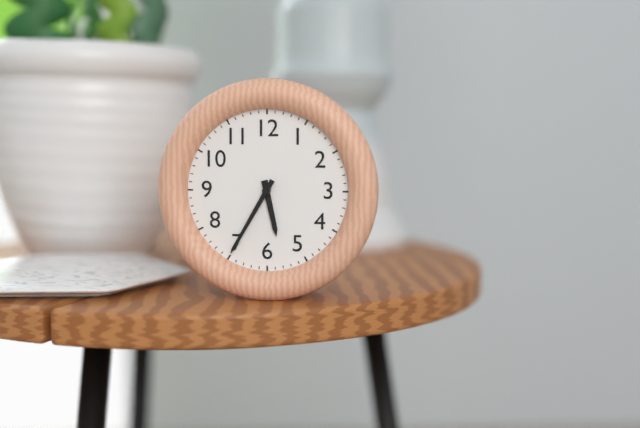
5:35
